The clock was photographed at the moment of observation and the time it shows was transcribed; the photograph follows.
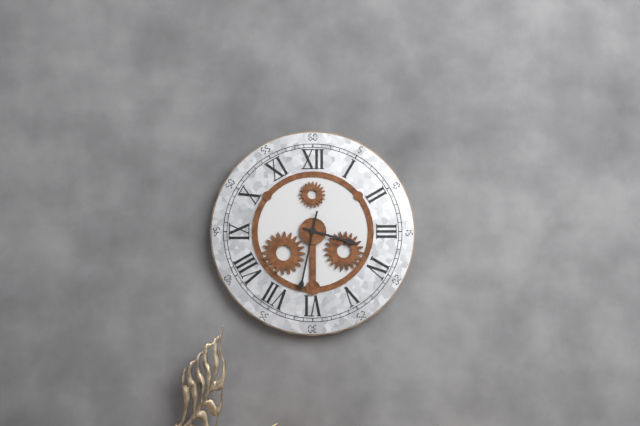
3:32
